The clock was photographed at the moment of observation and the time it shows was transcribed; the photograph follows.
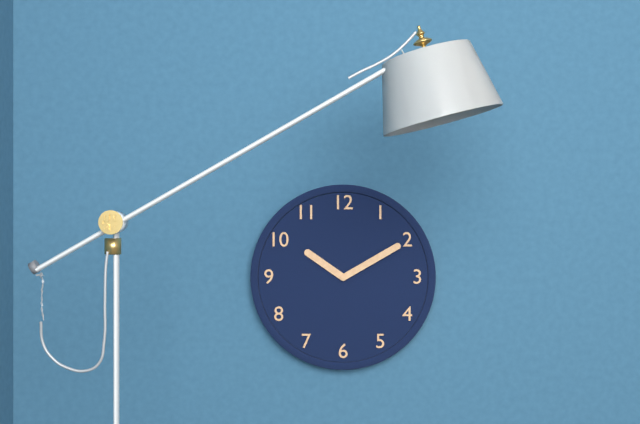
10:10
